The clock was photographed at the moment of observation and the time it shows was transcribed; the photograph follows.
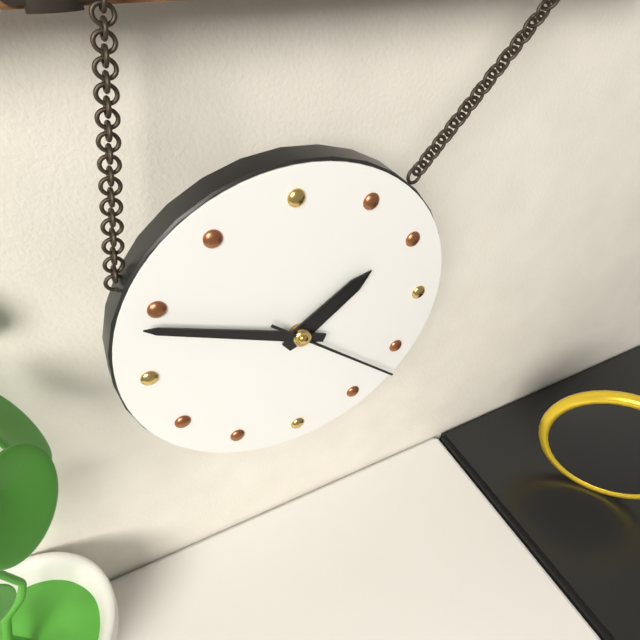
1:49:22
